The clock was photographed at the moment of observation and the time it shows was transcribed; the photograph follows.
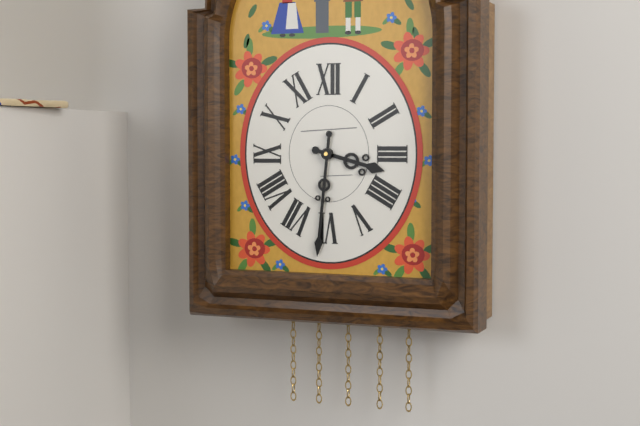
3:31
